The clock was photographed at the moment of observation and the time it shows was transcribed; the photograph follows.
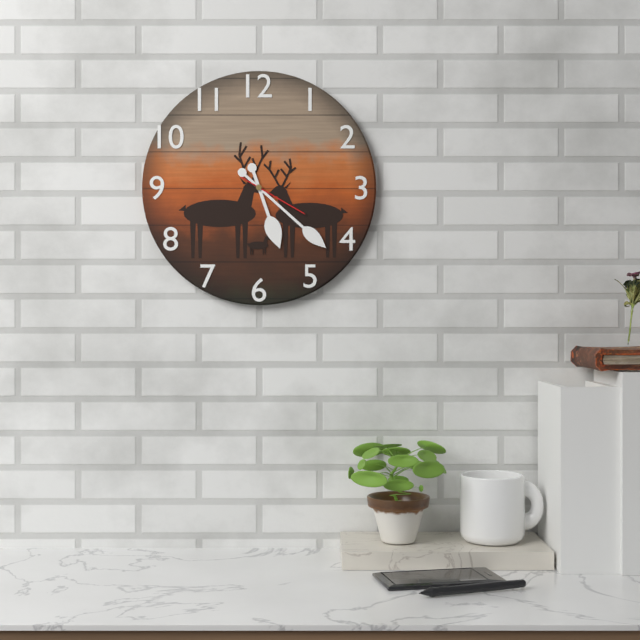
5:22:20
